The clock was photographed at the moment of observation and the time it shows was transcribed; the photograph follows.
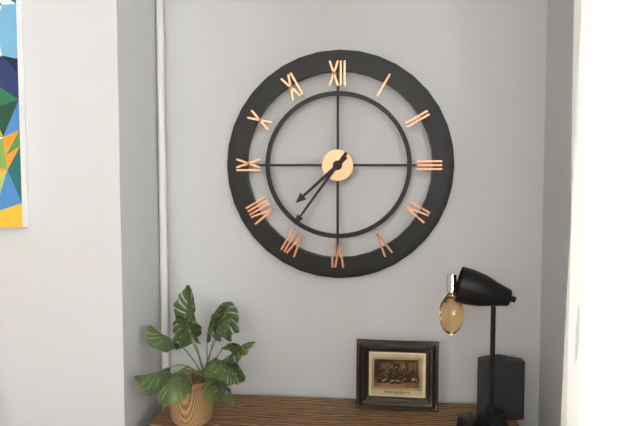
7:36
